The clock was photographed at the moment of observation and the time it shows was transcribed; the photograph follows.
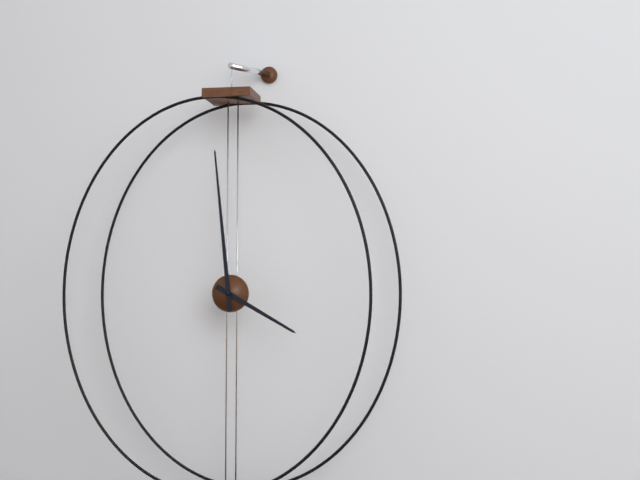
3:59
